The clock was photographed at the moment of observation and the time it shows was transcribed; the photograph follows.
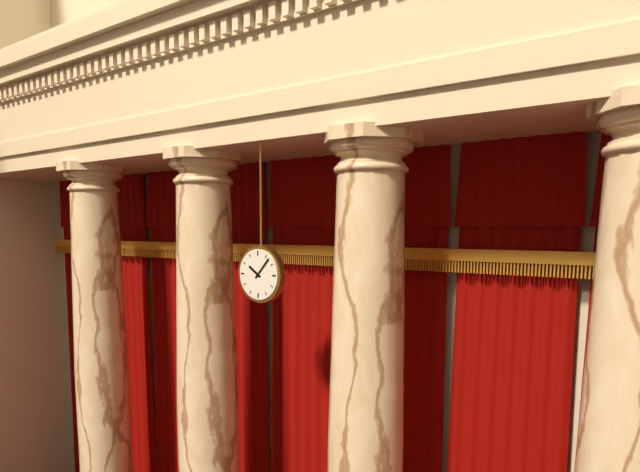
10:07
